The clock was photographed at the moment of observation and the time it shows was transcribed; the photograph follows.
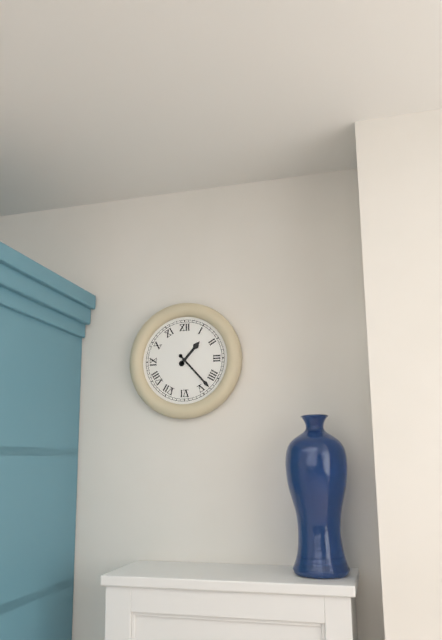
1:23
